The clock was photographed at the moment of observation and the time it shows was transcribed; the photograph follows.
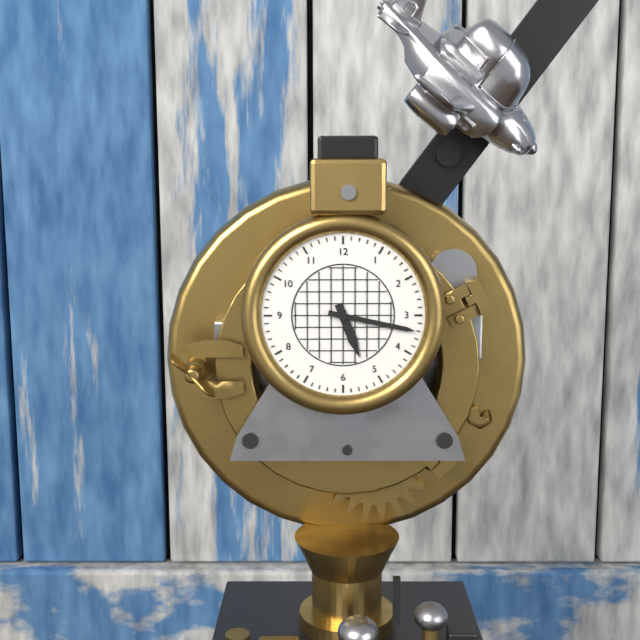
5:17
